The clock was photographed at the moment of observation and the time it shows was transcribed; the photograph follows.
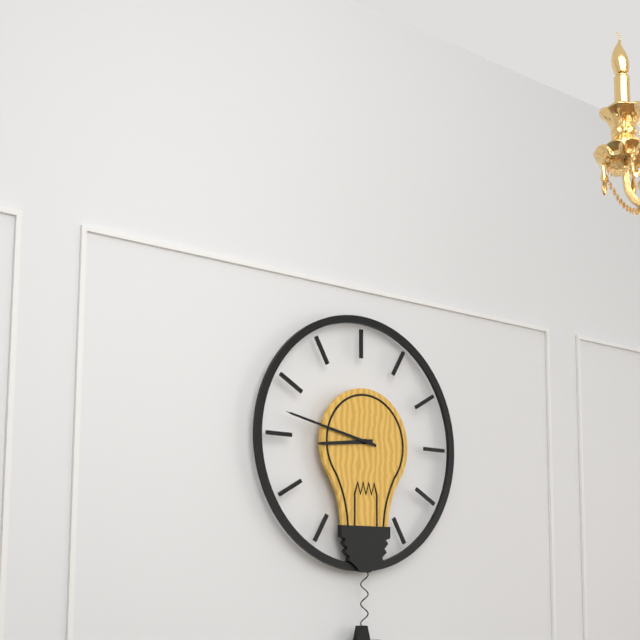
8:47
